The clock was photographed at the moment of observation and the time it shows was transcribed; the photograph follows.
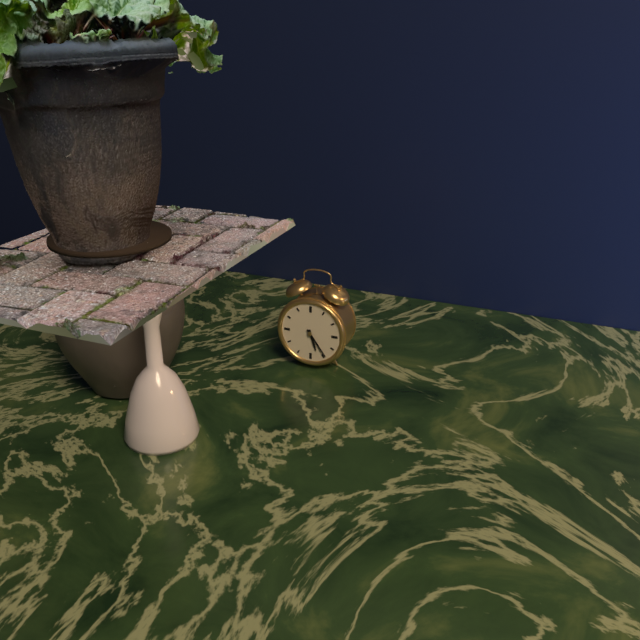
5:24
